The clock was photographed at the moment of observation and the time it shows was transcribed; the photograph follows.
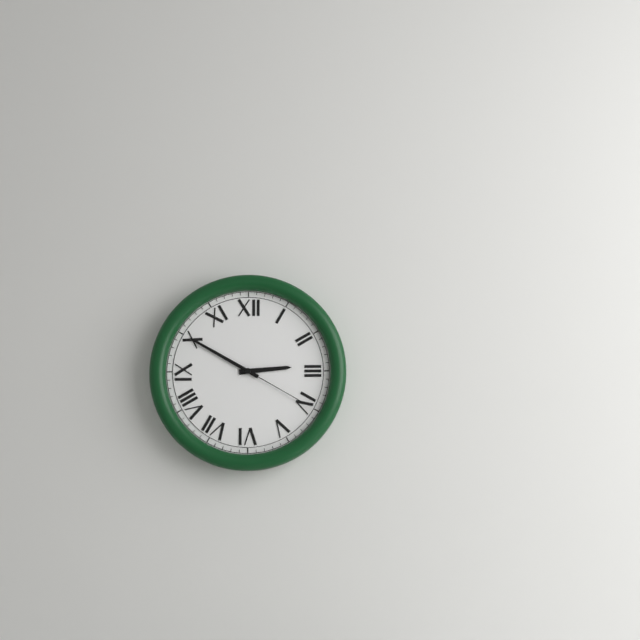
2:50:20
